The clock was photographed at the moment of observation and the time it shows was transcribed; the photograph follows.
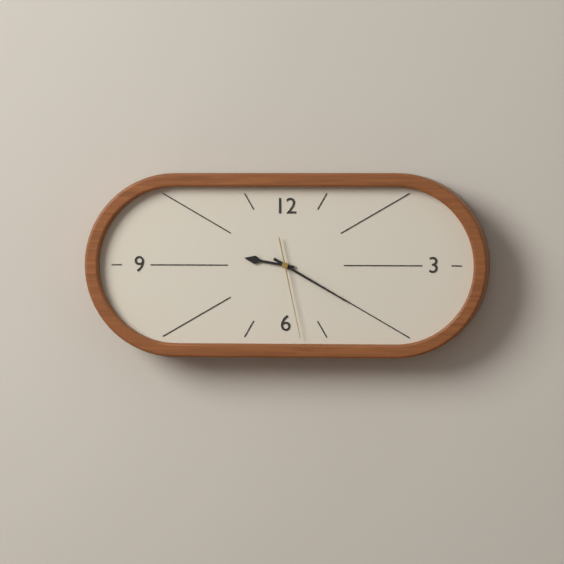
9:20:28
